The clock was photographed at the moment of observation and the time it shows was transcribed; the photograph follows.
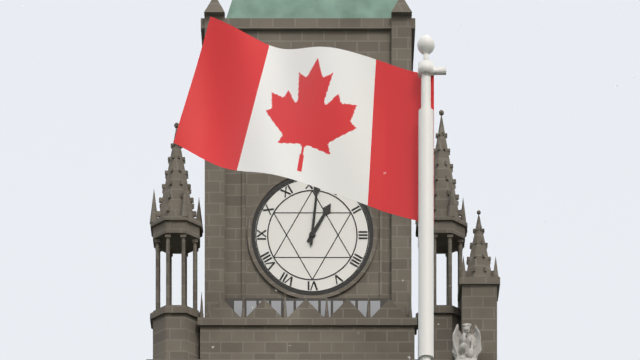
1:01
